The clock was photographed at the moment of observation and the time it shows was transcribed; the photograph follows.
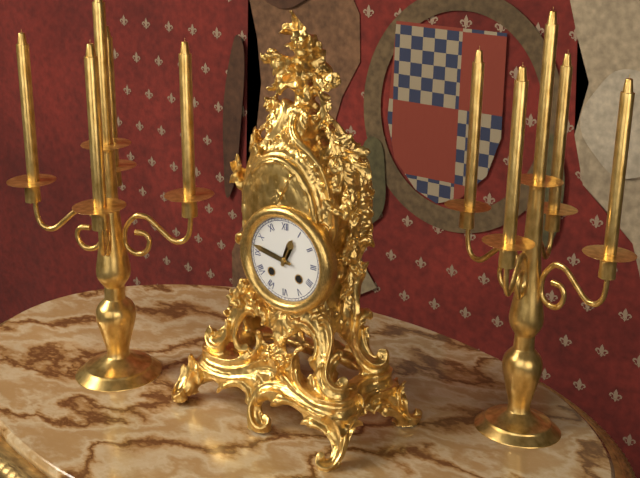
12:47
